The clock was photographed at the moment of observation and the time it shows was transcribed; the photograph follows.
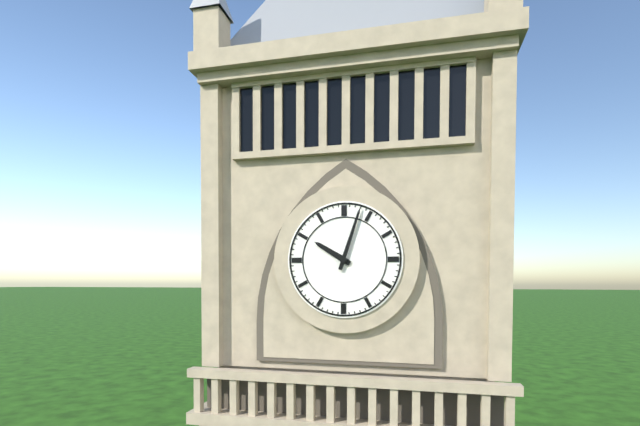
10:03
